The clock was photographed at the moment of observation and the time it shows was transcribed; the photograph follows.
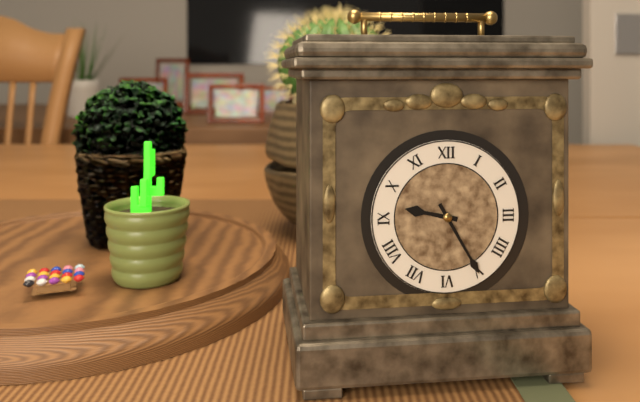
9:25
